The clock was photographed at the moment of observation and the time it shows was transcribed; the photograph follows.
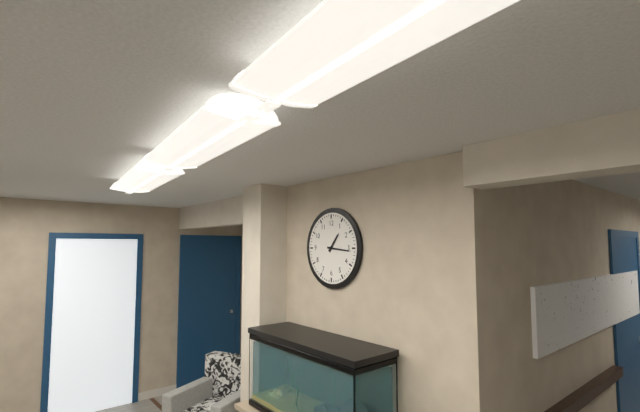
1:16
